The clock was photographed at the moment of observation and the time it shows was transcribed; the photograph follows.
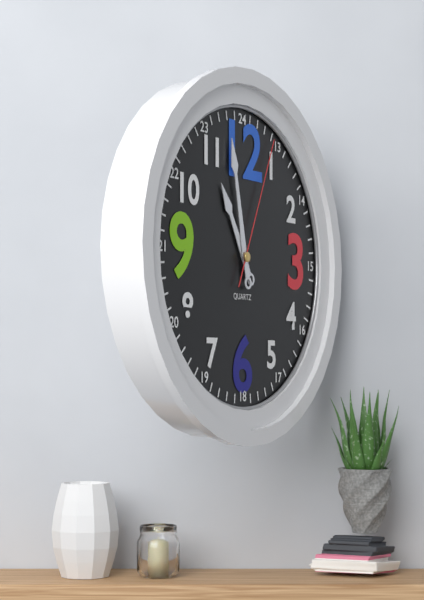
10:58:04
